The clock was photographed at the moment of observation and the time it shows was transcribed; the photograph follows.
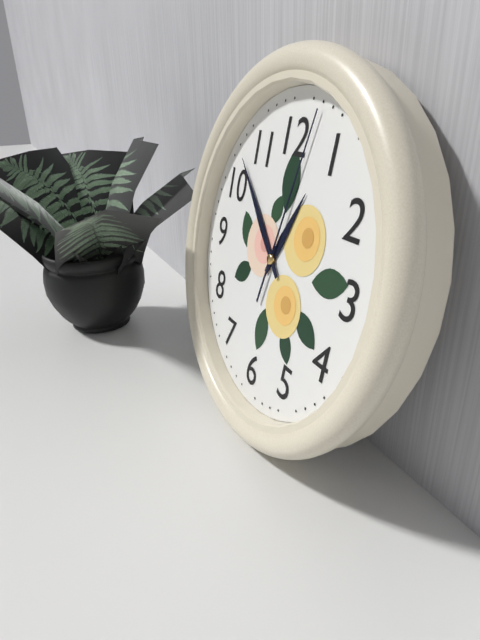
12:52:02
